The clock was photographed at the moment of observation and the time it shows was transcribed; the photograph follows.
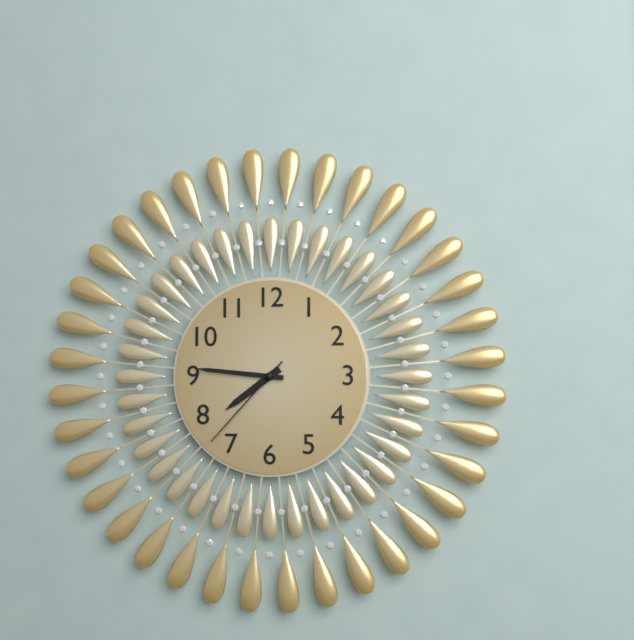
7:46:37
